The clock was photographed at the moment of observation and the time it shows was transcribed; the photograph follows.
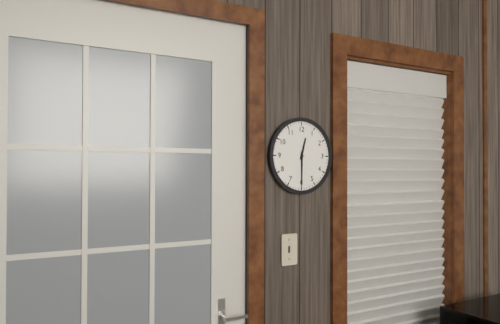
12:30
